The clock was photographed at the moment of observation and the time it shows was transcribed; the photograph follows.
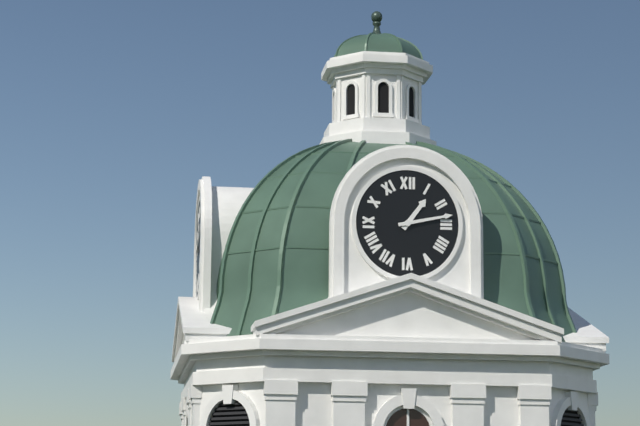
1:13
